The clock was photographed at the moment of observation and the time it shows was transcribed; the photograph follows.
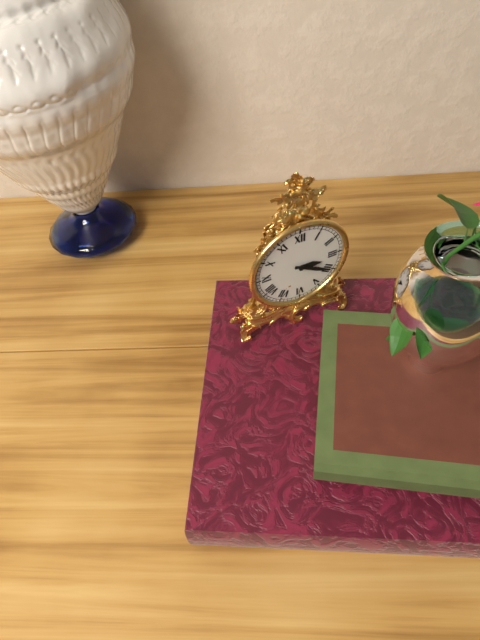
3:20
